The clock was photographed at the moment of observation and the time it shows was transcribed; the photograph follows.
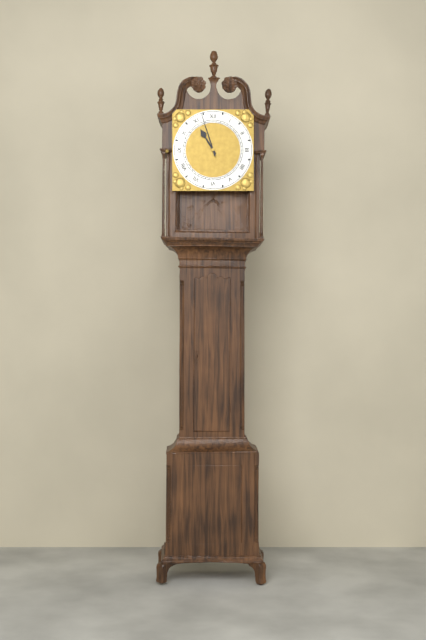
10:57
